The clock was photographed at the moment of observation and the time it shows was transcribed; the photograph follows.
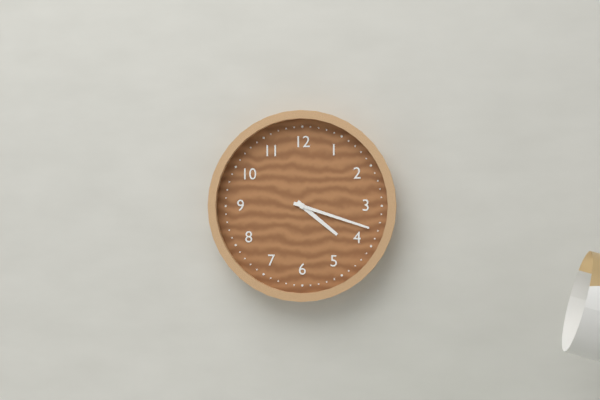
4:18
